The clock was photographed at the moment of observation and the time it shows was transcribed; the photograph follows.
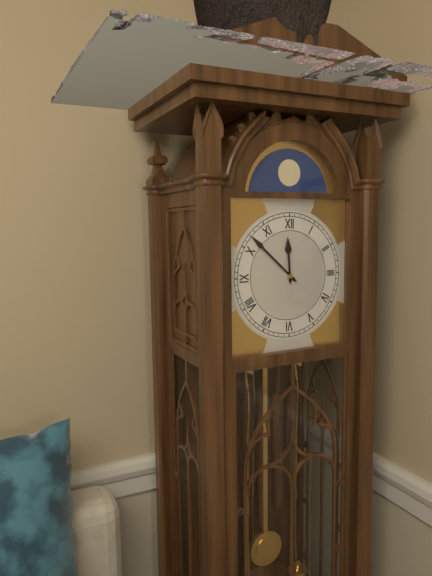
11:52
